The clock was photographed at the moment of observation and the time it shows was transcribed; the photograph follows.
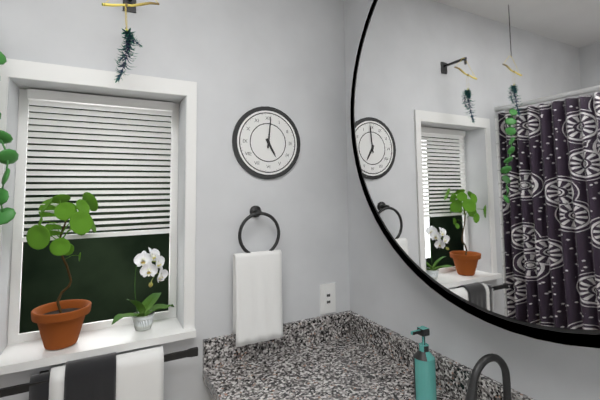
5:01
